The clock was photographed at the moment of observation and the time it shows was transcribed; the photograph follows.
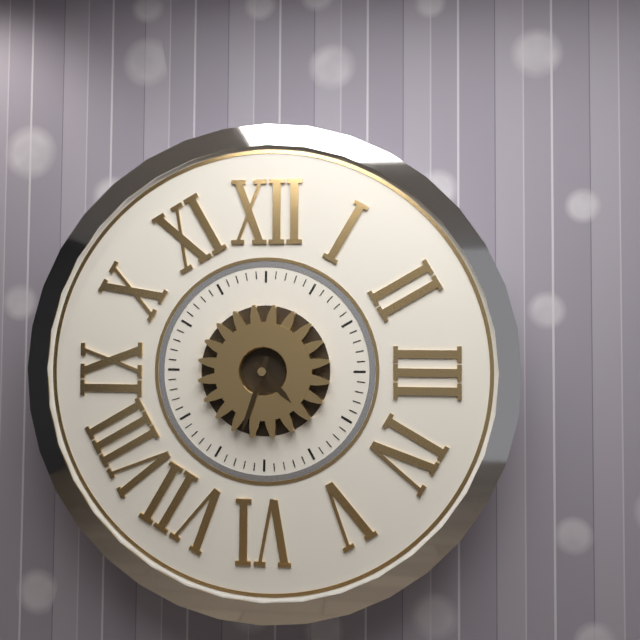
4:33
